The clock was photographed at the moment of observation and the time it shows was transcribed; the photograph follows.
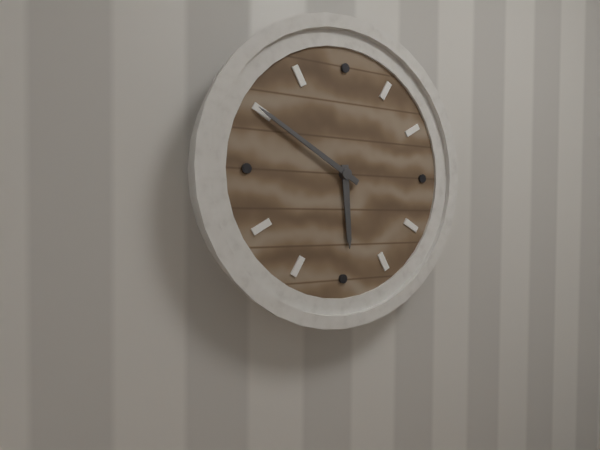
5:50
